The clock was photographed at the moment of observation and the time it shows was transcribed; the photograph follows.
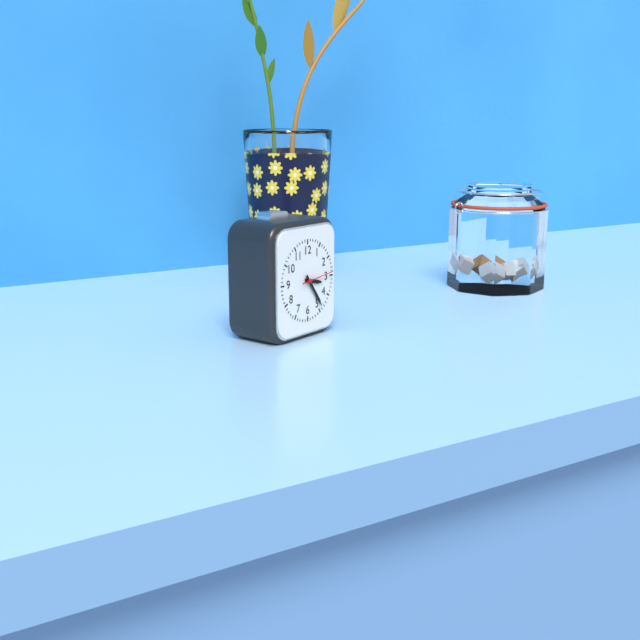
3:24
